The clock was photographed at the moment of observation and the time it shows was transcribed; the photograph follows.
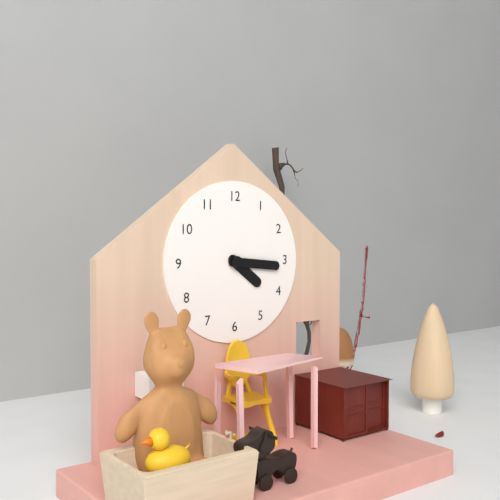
4:16
